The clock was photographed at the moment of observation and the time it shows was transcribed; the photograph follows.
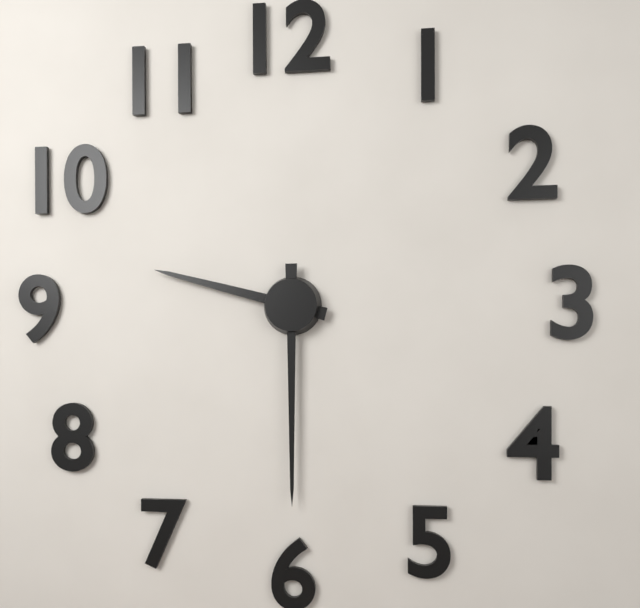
9:30
